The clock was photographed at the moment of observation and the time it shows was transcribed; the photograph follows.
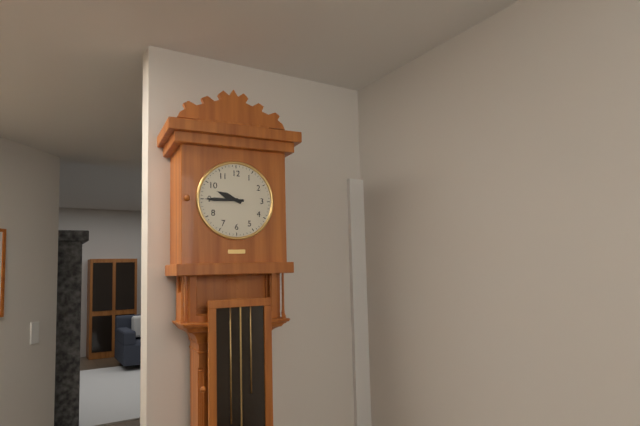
9:45
